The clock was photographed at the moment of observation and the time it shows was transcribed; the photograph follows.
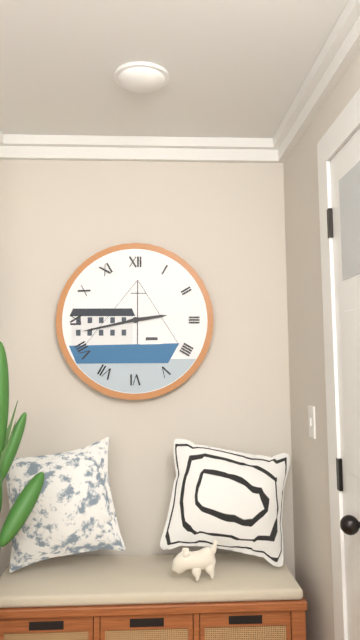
2:43
